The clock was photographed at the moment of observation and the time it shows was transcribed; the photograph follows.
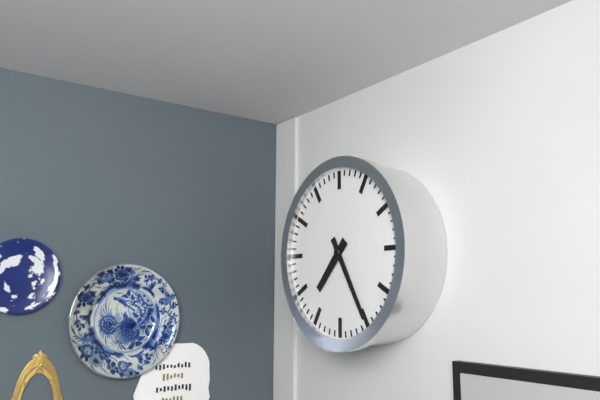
7:25
